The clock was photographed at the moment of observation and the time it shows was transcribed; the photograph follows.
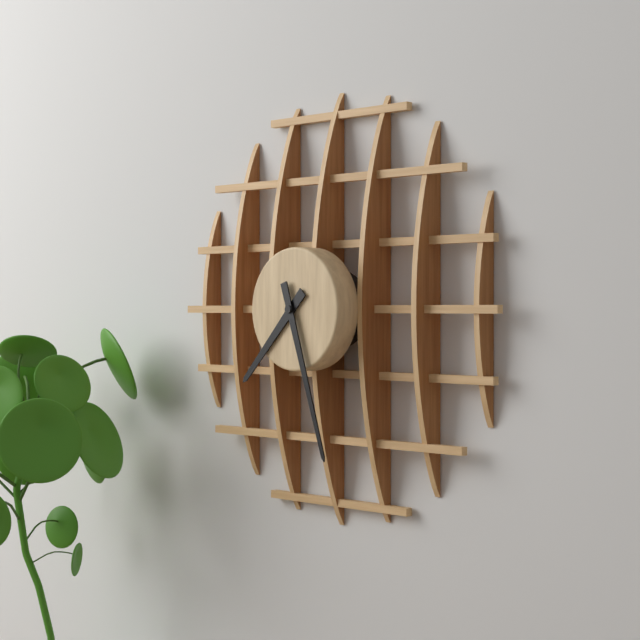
7:27
